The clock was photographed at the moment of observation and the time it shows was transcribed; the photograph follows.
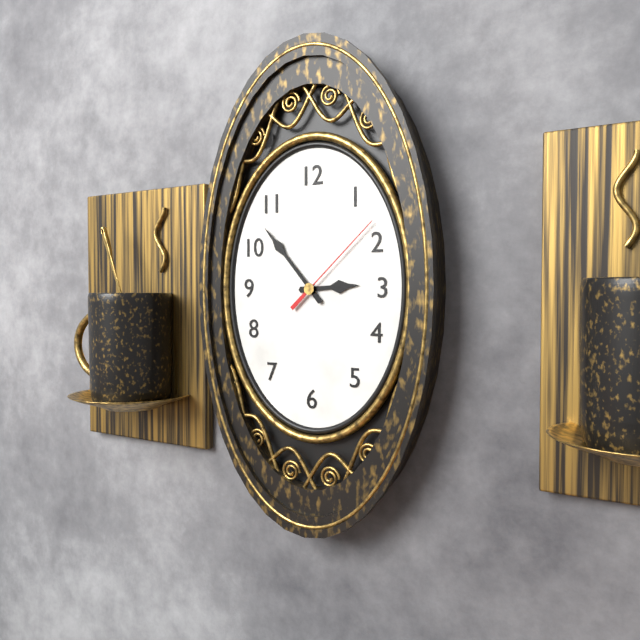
2:53:08
